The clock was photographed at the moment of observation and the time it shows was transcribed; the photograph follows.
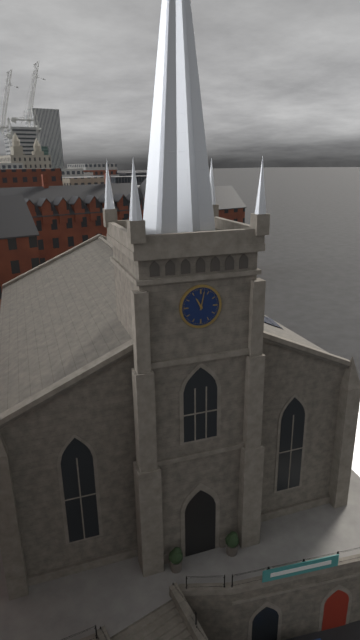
11:02
